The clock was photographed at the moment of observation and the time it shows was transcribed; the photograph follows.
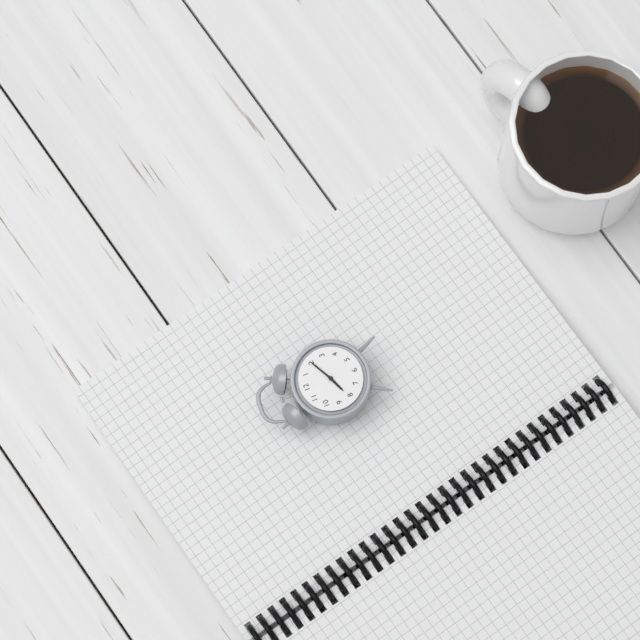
8:10
